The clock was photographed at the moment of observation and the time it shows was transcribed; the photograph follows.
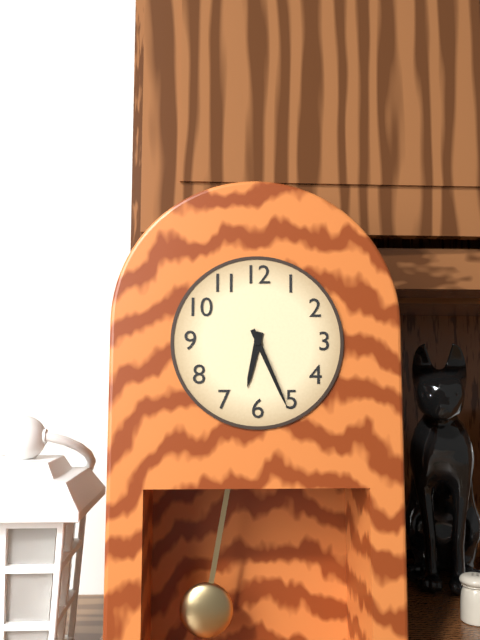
6:26
